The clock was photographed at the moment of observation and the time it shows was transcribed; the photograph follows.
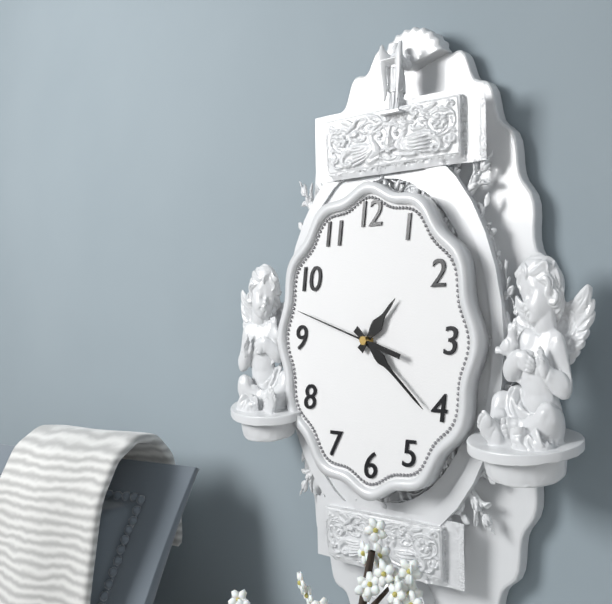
1:22:48
